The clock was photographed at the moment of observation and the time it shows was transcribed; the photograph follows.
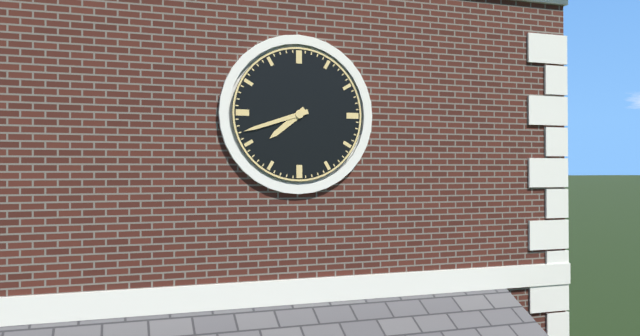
7:42
